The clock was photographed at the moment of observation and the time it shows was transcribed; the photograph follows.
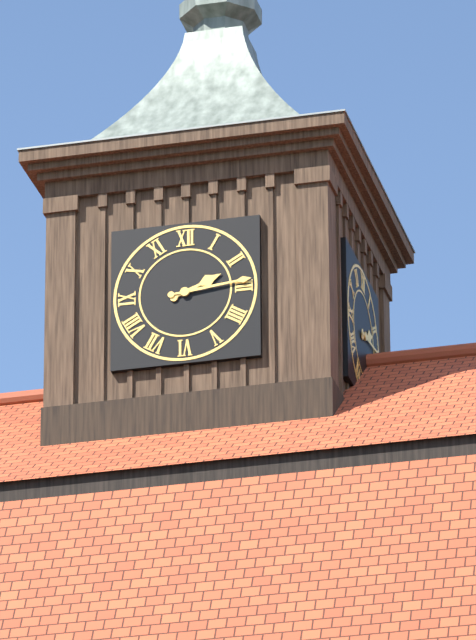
2:14
